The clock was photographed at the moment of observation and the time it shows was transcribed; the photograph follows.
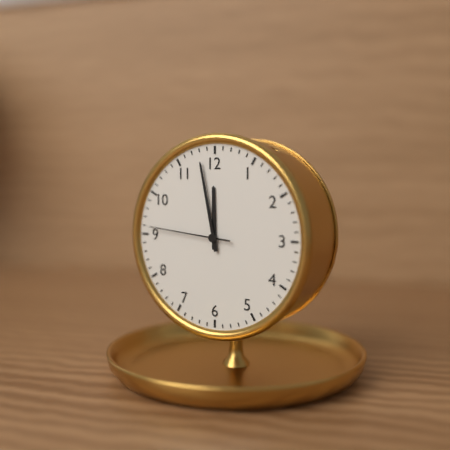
11:58:46
